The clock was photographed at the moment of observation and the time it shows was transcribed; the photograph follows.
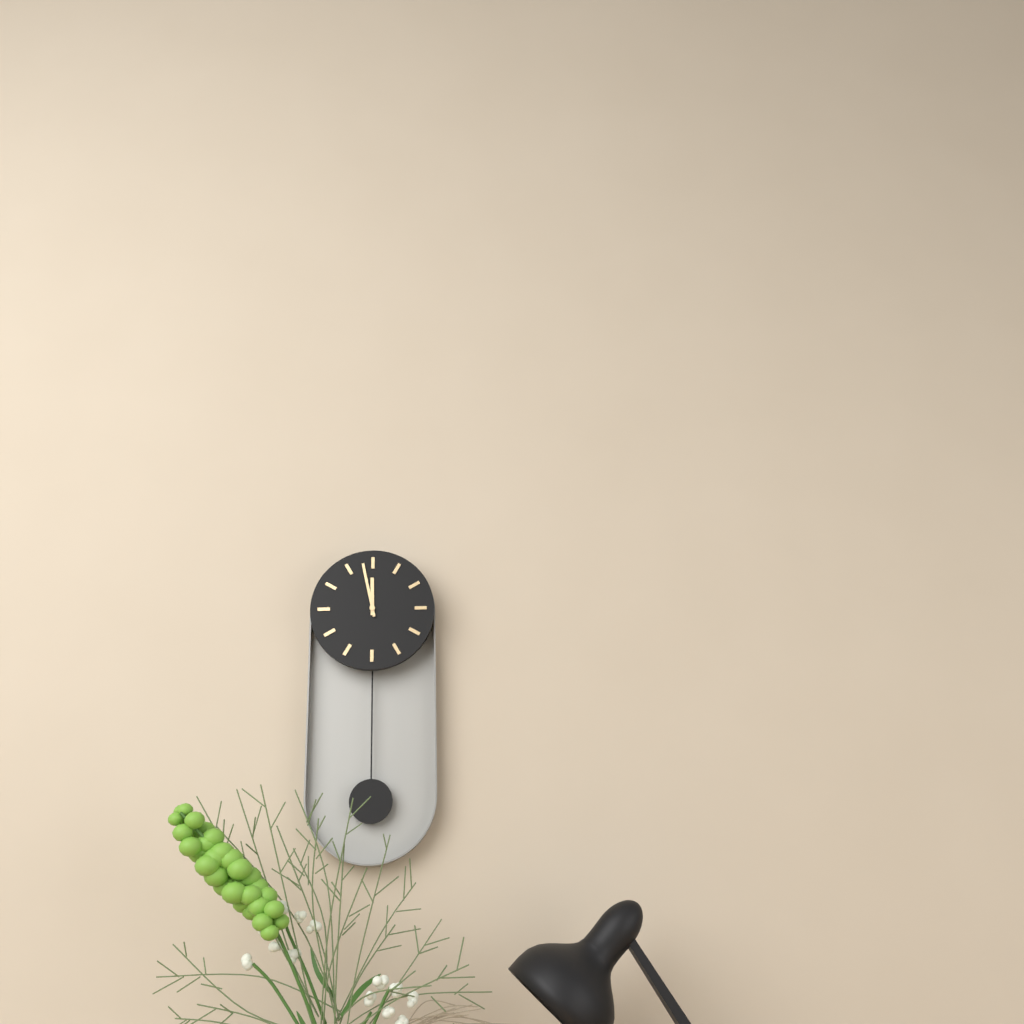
11:58
